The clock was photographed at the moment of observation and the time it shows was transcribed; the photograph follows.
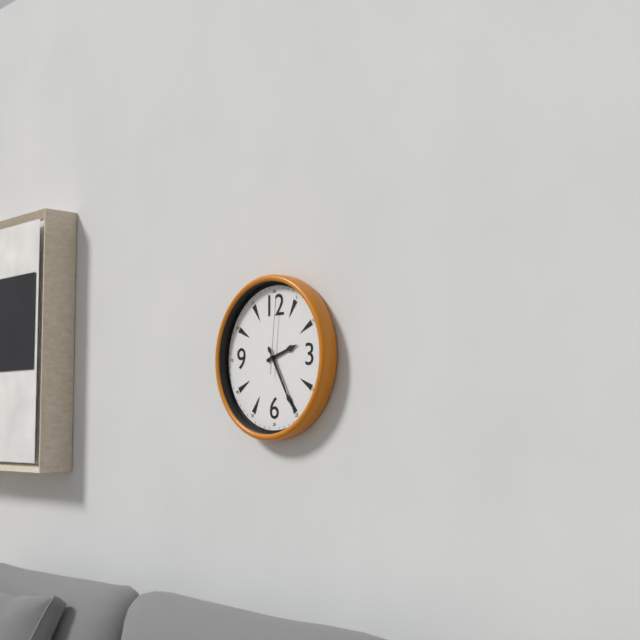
2:25:01
